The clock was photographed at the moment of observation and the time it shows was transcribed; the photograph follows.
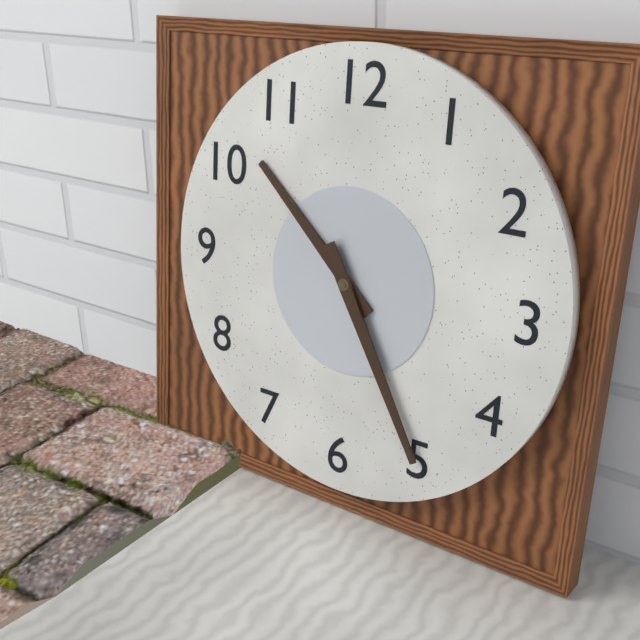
10:25
